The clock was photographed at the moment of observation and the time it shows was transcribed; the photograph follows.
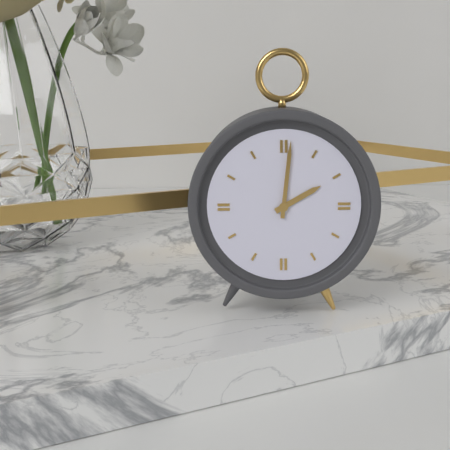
2:01
